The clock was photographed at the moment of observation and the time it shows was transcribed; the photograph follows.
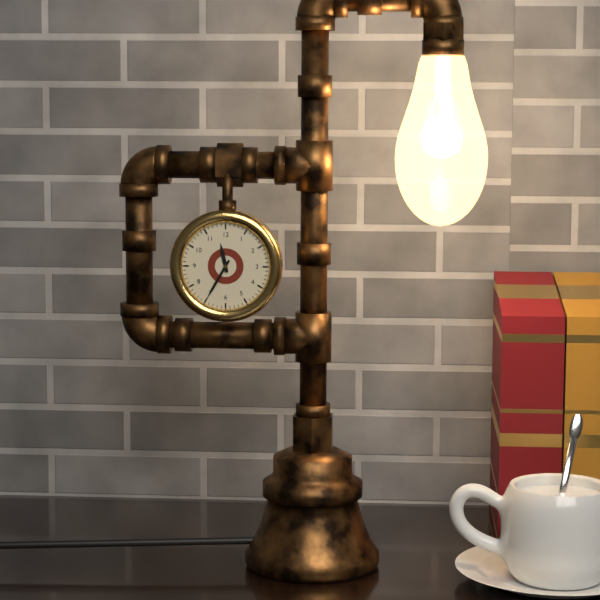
11:35
